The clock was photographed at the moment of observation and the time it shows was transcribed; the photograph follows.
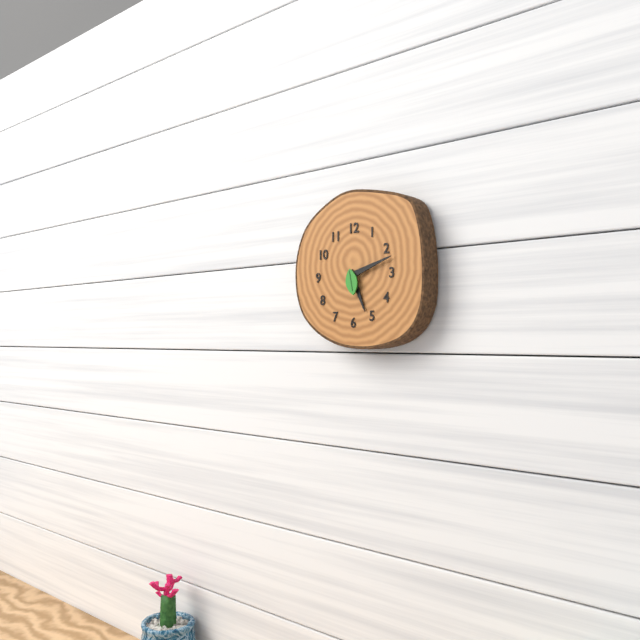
5:12
